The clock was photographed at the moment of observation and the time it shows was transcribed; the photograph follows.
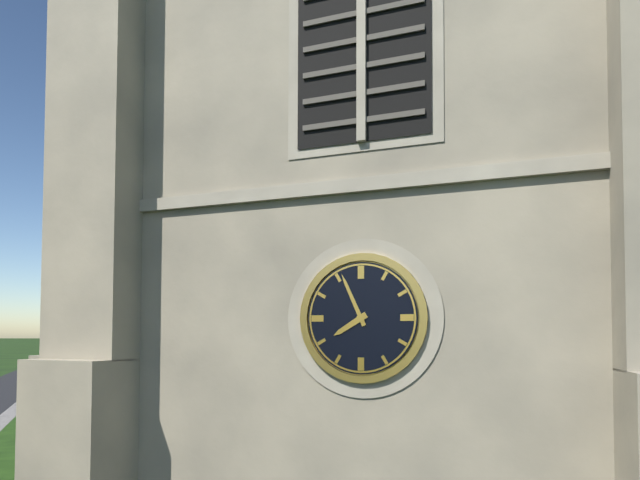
7:56
